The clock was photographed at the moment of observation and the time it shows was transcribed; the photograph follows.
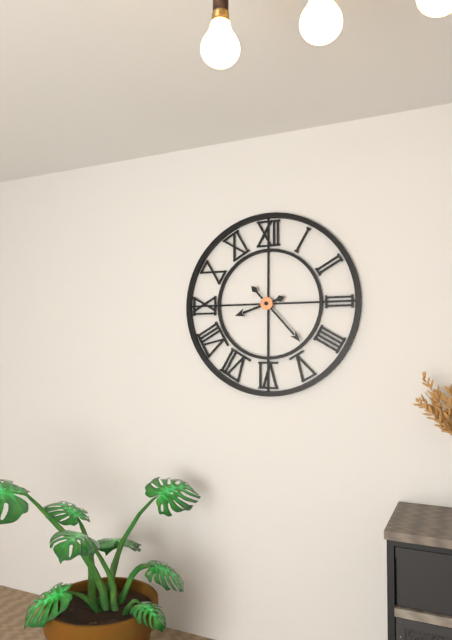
8:23
